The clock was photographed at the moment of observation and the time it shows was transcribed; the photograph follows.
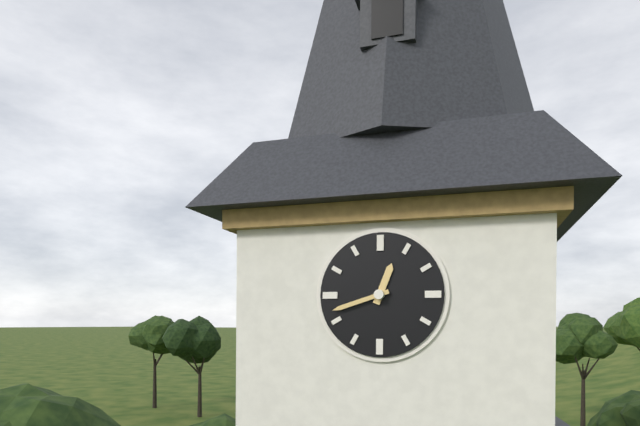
12:42
